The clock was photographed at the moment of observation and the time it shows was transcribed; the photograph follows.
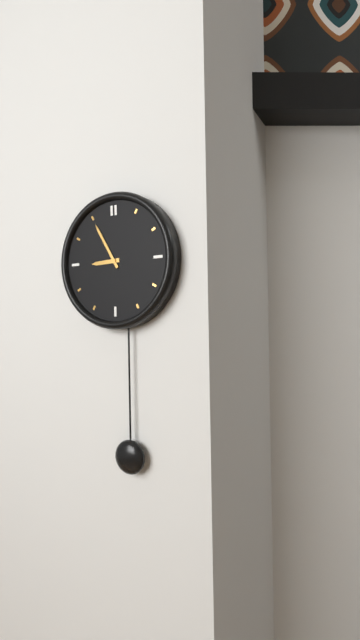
8:55
